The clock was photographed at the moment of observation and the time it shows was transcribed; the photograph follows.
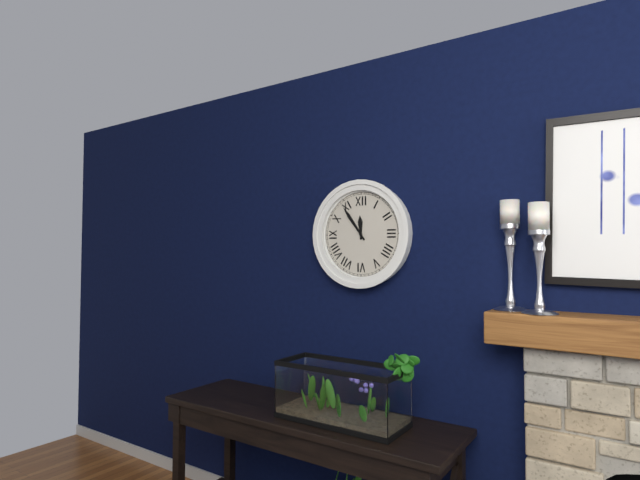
11:54
